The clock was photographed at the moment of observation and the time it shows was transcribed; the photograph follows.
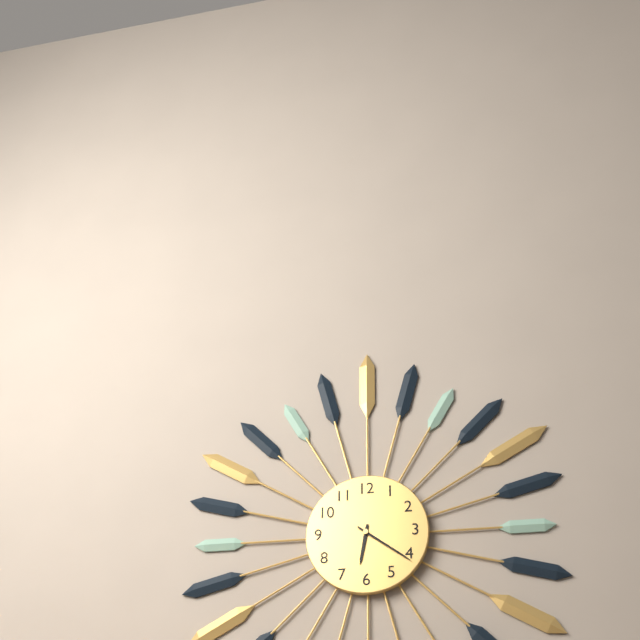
6:21
